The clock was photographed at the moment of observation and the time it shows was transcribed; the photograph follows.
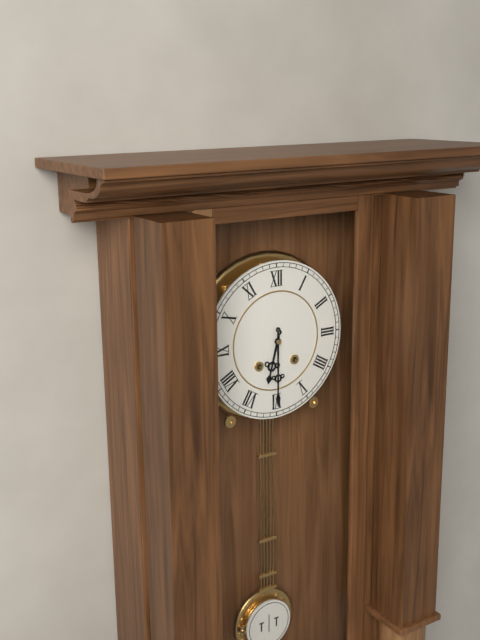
6:30
